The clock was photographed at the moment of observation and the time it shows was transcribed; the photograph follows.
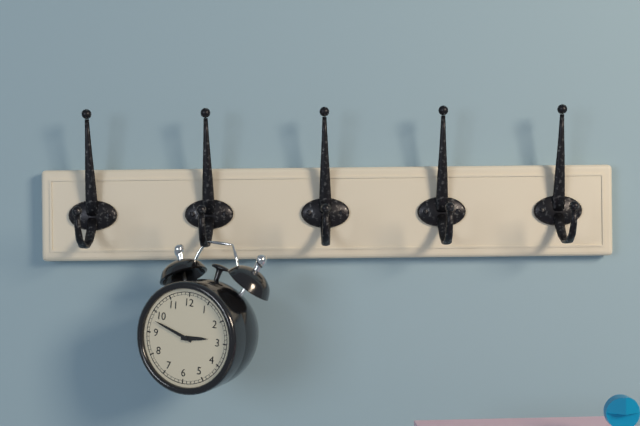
2:48
